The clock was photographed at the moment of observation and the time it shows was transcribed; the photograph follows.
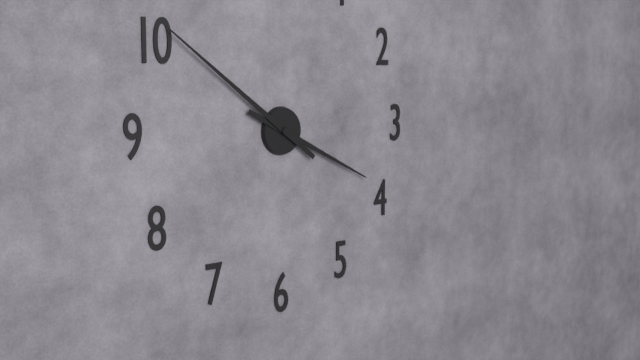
3:51
